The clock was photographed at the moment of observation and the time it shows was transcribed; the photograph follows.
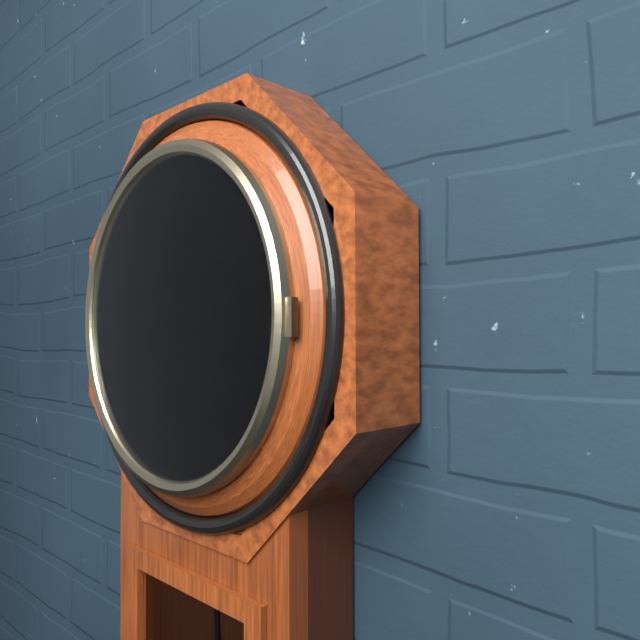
2:00
